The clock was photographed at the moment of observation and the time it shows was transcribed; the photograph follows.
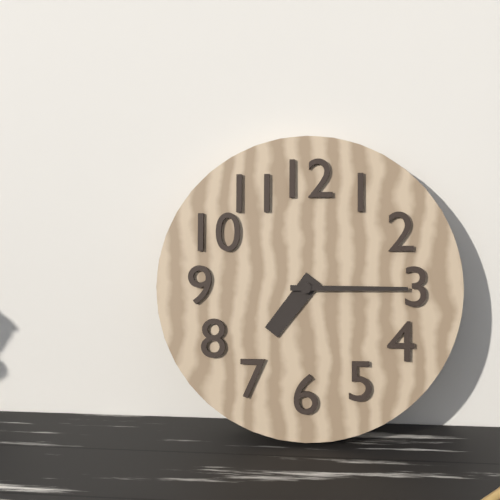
7:15
